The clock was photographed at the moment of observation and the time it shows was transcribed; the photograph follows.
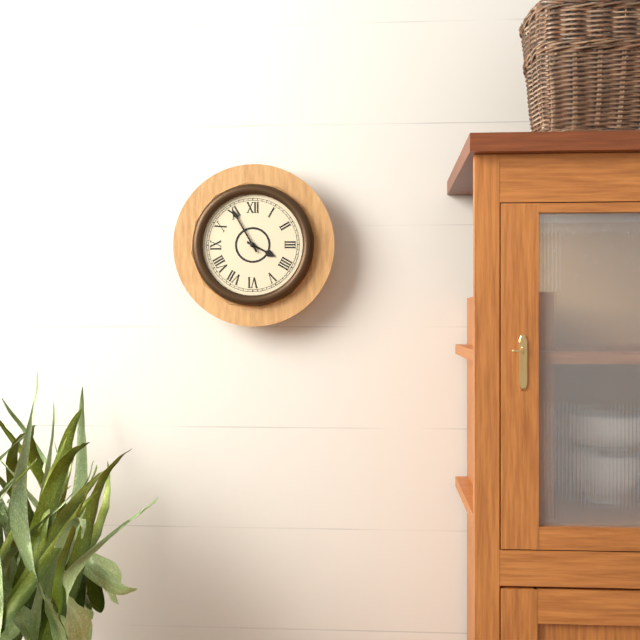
3:55
